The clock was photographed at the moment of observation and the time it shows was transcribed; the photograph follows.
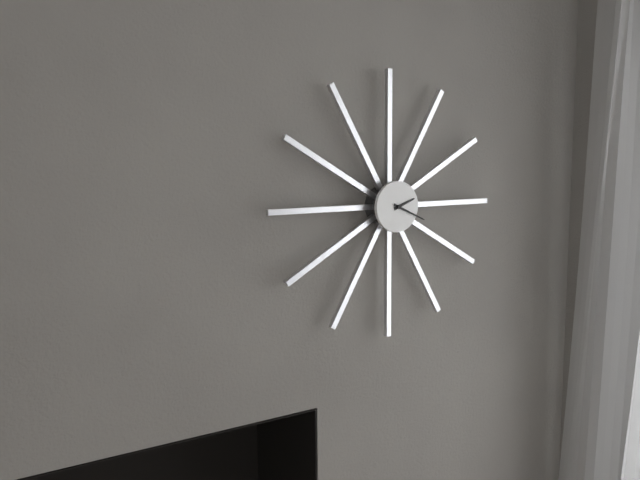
2:19
